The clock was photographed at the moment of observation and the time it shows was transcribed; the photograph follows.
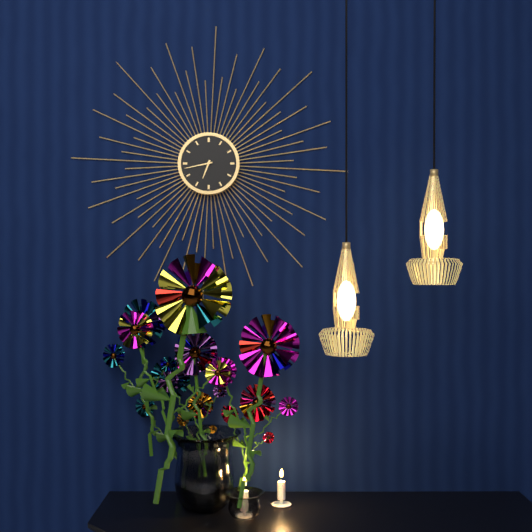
6:43
